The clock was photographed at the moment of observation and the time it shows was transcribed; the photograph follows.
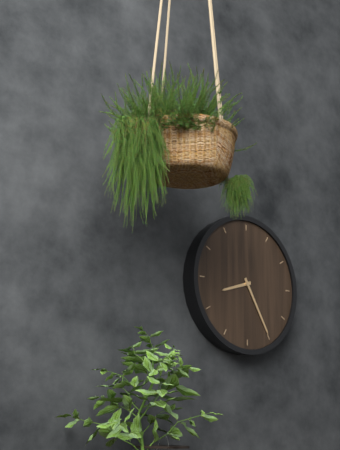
8:25
